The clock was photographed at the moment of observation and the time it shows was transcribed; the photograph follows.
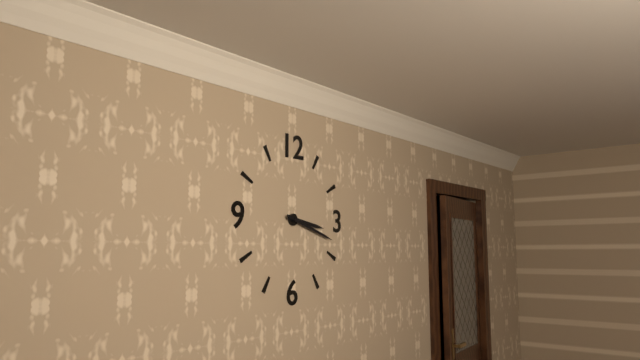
3:18
